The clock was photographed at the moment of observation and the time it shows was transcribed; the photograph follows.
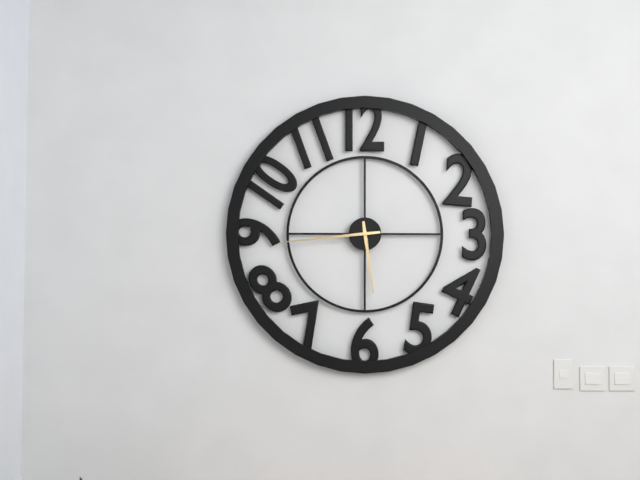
5:44
